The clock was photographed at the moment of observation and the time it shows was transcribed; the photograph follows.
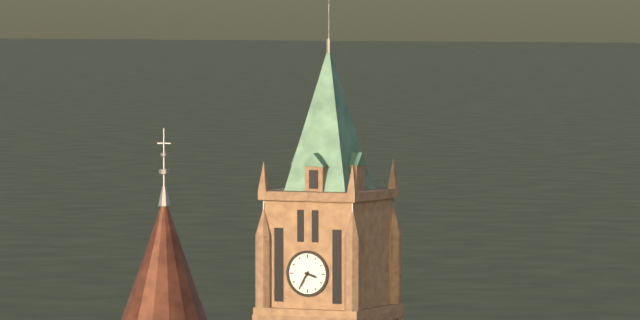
3:35
